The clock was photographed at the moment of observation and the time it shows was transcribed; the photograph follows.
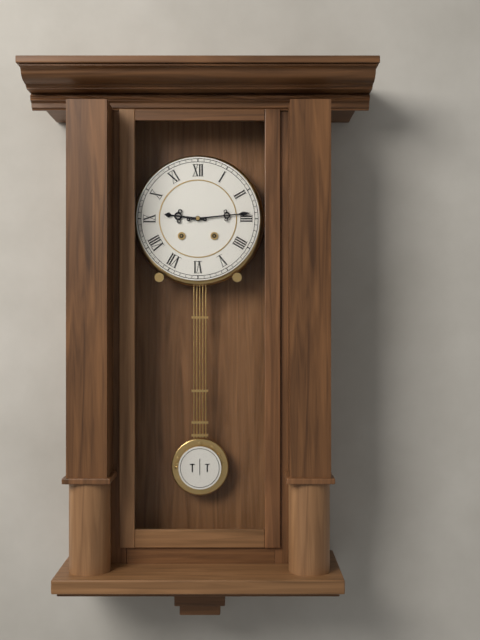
9:14
